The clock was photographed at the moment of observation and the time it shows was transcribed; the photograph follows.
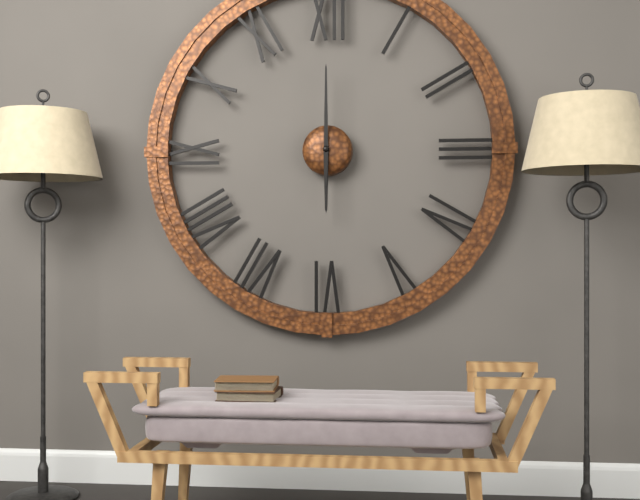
6:00
